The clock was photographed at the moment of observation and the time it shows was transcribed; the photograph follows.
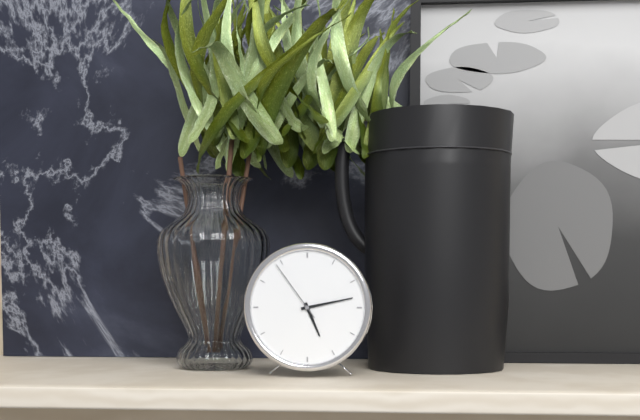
5:13:54
